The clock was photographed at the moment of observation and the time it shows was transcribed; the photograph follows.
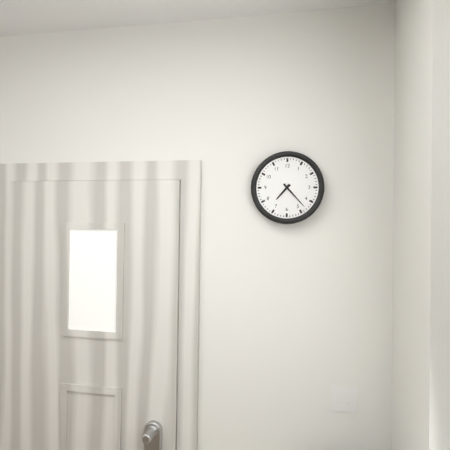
7:23
